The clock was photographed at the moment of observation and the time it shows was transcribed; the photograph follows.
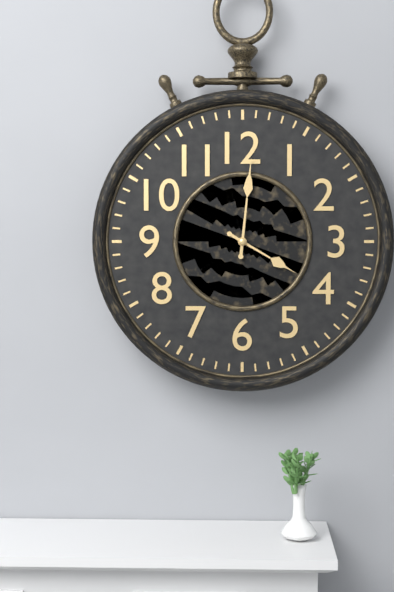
4:01
